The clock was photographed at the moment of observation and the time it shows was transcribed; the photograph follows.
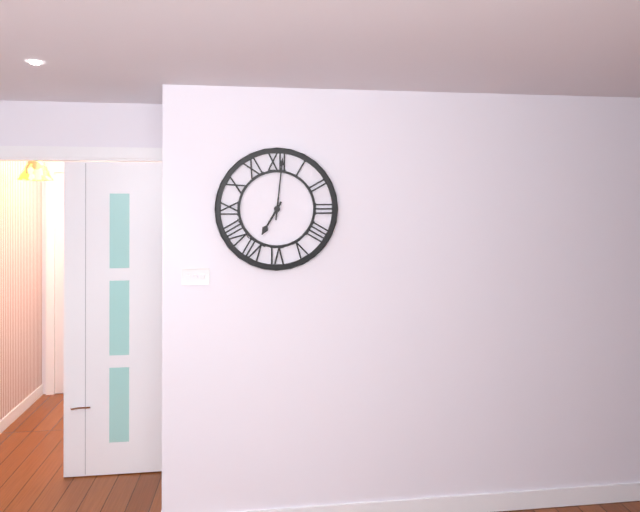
7:01
